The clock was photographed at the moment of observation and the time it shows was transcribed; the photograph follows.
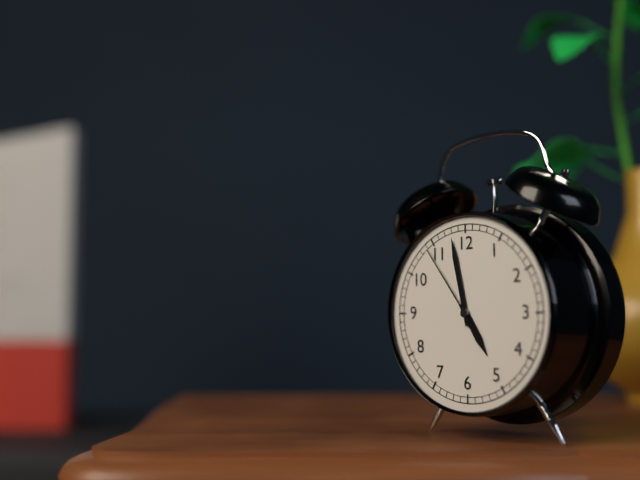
4:58:54
